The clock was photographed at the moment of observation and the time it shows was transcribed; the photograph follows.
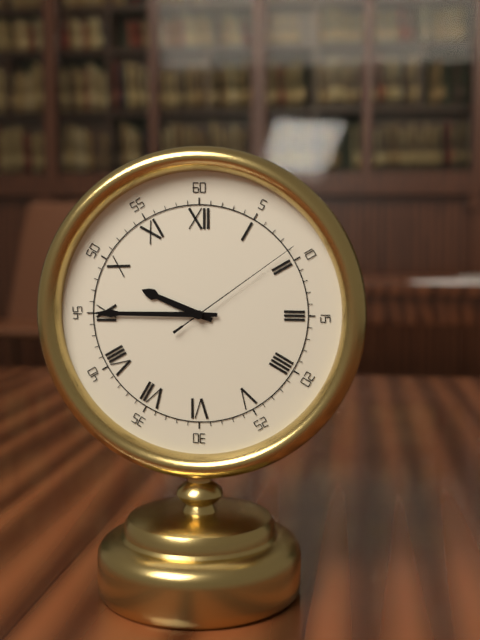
9:45:09
